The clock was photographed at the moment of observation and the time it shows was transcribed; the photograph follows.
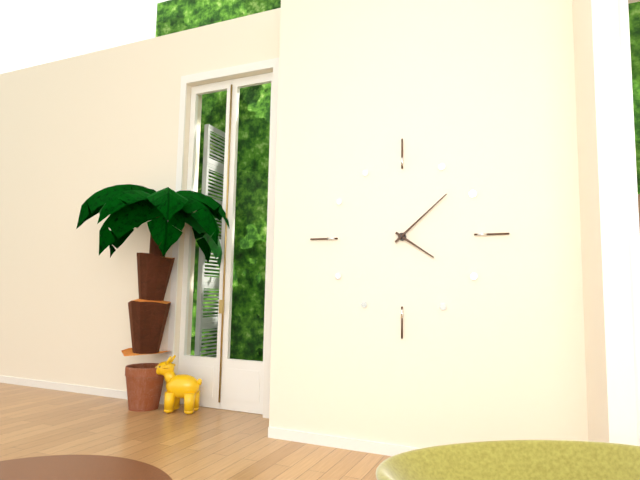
4:08
